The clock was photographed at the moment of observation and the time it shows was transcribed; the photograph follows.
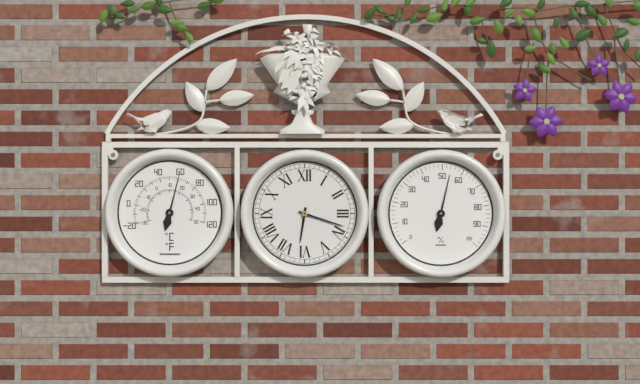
6:18
